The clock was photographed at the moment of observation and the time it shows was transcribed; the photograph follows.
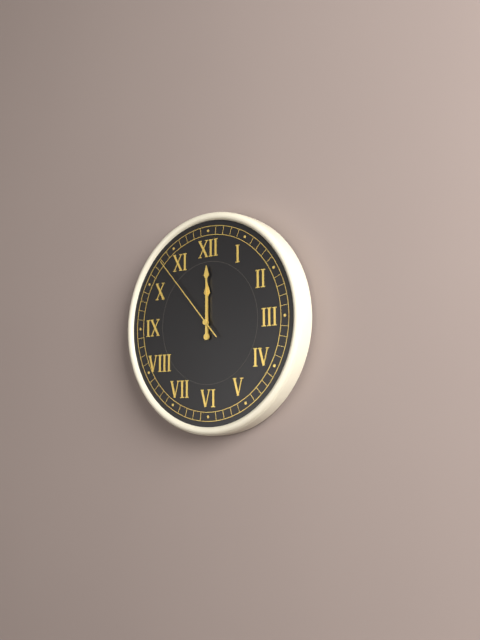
12:00:53
